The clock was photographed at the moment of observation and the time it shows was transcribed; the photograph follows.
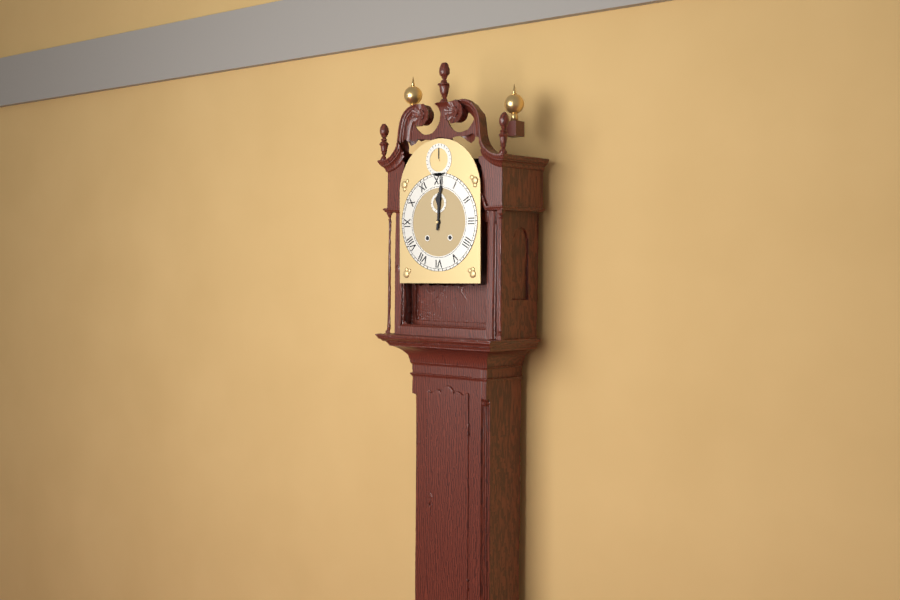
12:01
